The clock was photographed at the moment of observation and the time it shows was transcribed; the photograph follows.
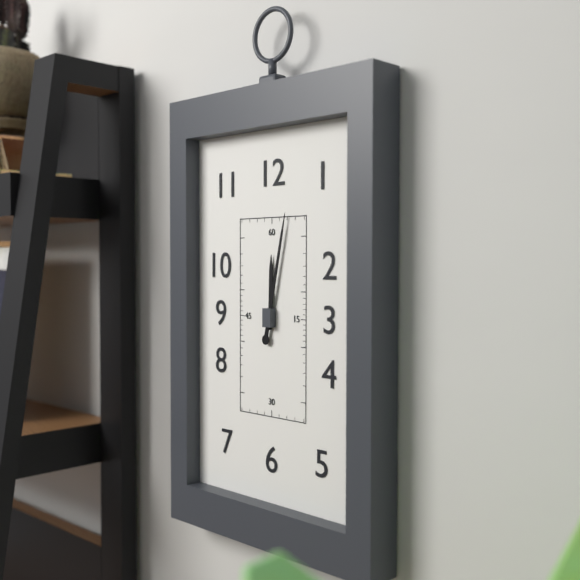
12:02
